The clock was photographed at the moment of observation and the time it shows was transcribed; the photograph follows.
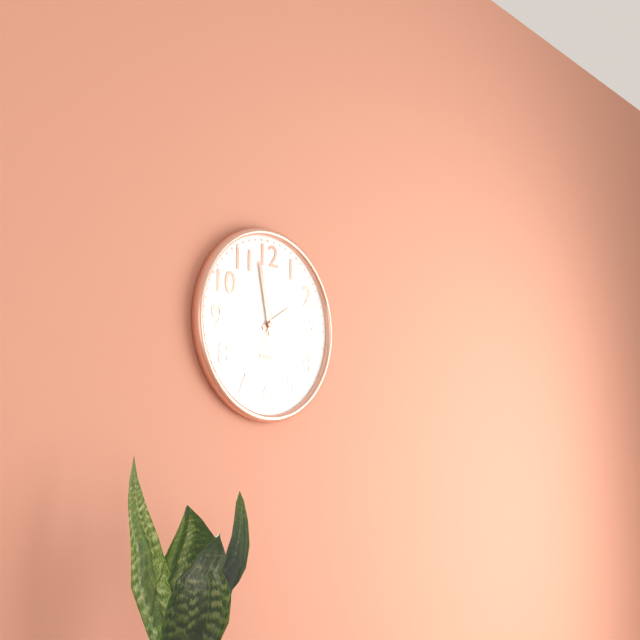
1:58:33
